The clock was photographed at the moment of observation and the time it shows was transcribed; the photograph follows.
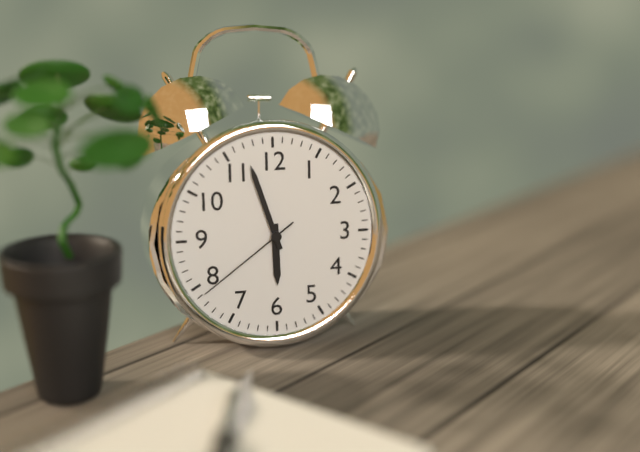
5:57:39
